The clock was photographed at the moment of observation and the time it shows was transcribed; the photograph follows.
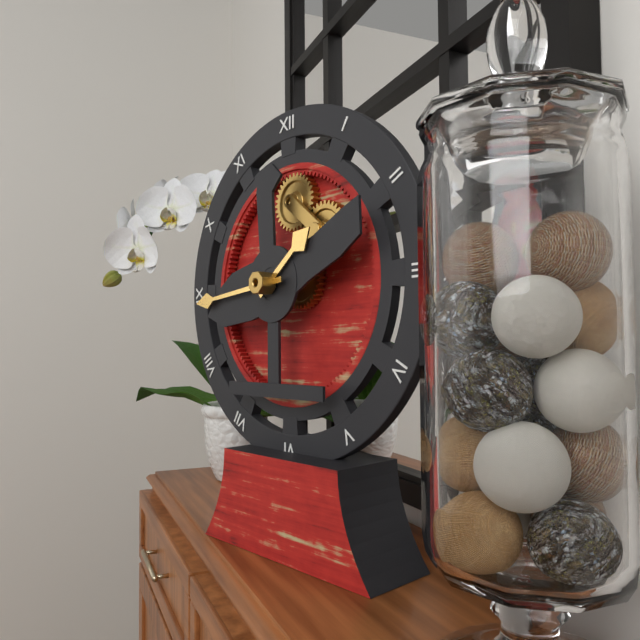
1:44
